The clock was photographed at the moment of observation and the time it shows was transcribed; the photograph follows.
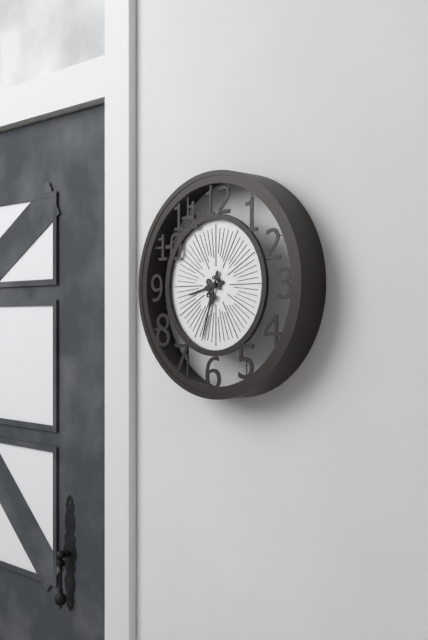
8:33
